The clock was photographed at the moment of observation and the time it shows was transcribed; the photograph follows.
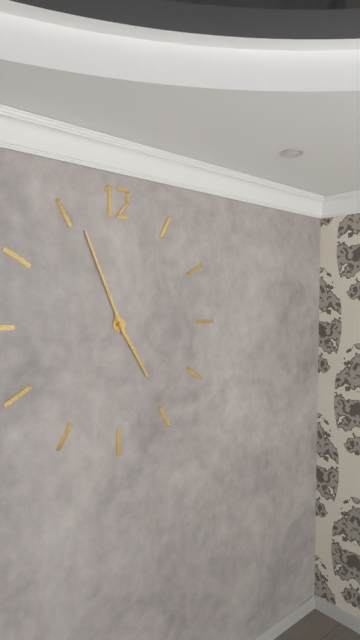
4:56
